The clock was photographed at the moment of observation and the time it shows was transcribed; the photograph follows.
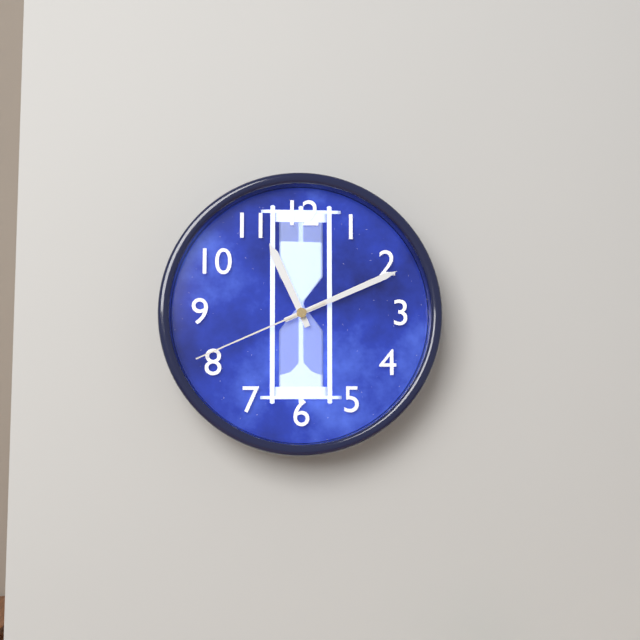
11:11:41
